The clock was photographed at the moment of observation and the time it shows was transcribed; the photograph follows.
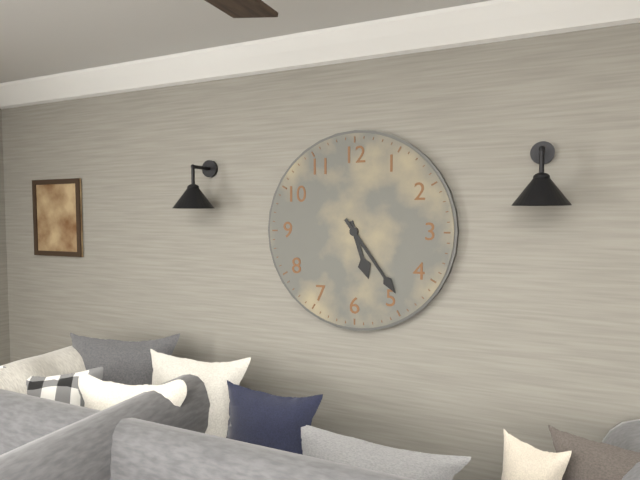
5:24
